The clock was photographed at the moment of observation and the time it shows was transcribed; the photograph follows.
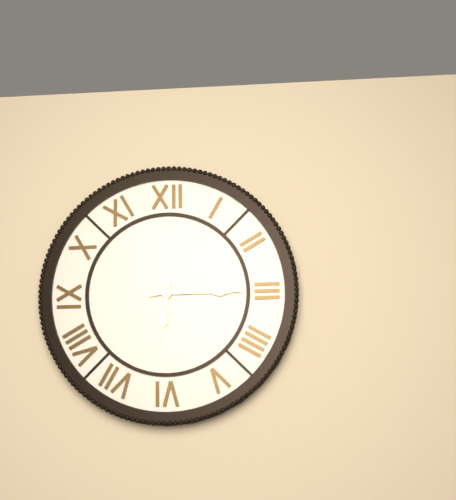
6:15
